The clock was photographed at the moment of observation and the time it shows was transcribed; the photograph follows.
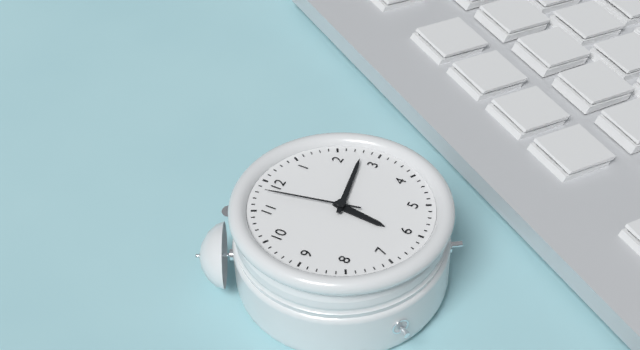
6:13:58
